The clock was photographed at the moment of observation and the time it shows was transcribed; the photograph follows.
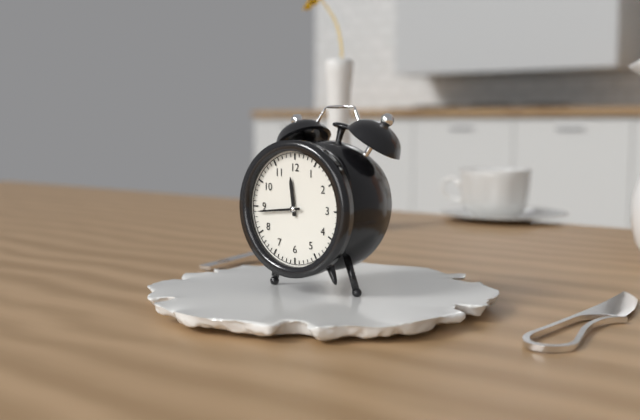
11:44
